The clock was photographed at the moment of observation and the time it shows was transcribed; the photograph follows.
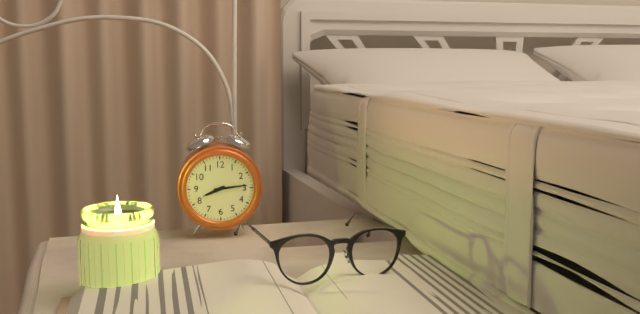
8:14
